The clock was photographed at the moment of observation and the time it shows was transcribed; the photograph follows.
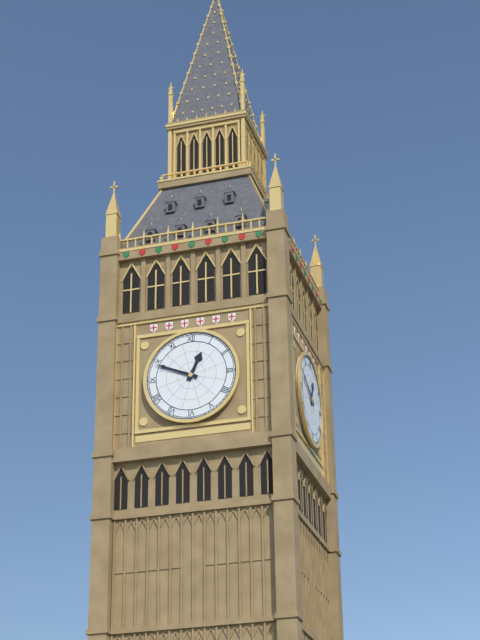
12:49
